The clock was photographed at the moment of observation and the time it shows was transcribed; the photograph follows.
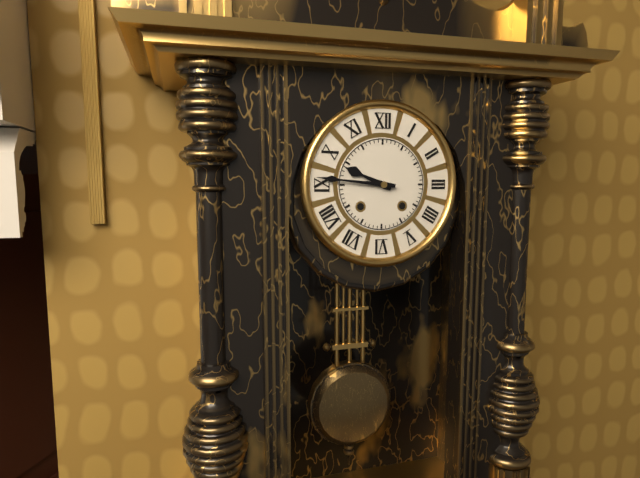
9:46
